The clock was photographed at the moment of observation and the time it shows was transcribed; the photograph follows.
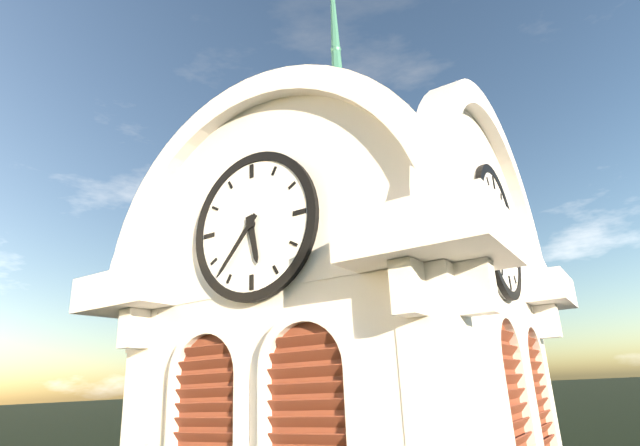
5:37
